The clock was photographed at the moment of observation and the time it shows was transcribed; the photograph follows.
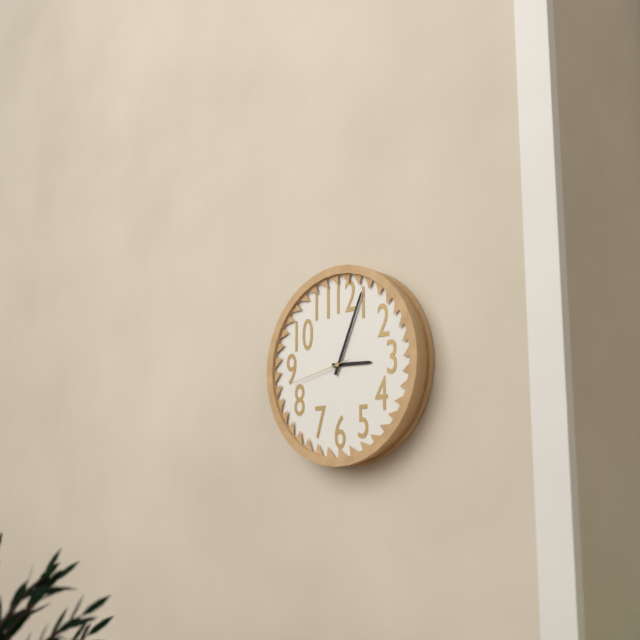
3:04:43
